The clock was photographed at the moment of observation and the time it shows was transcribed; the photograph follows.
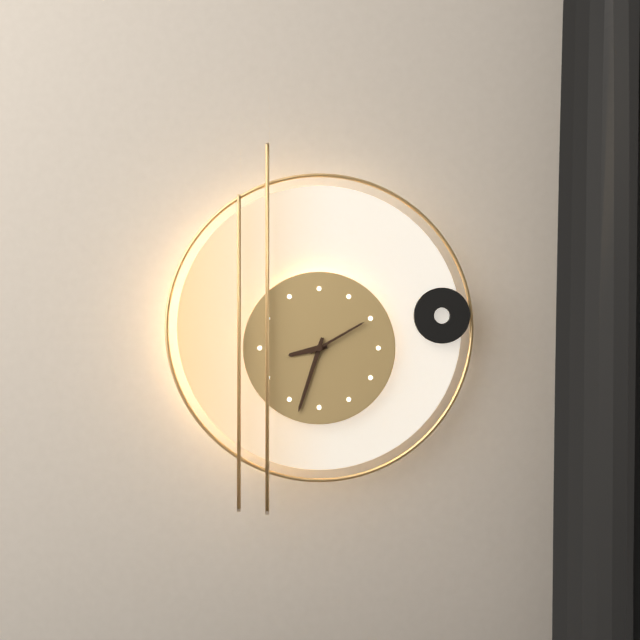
8:33:10
